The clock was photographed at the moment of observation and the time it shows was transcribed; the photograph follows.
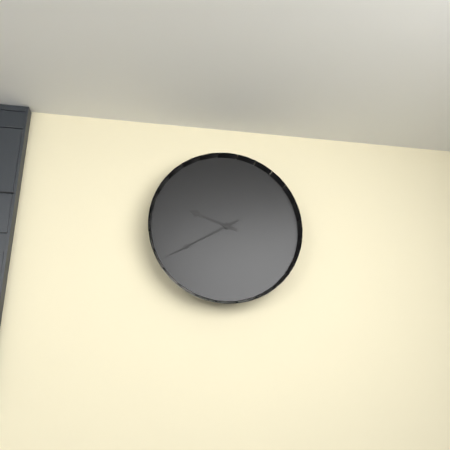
9:40
